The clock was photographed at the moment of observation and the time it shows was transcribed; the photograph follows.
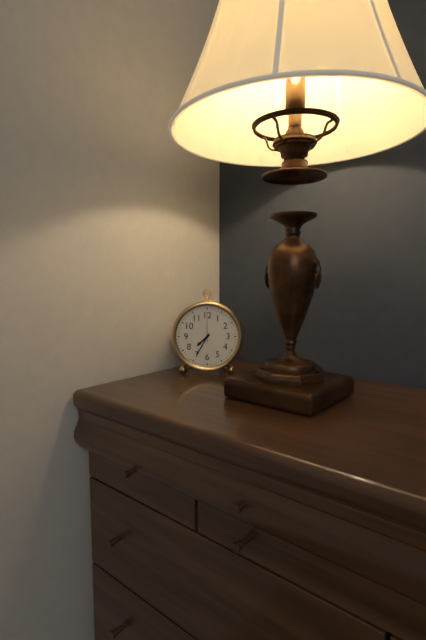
7:35
